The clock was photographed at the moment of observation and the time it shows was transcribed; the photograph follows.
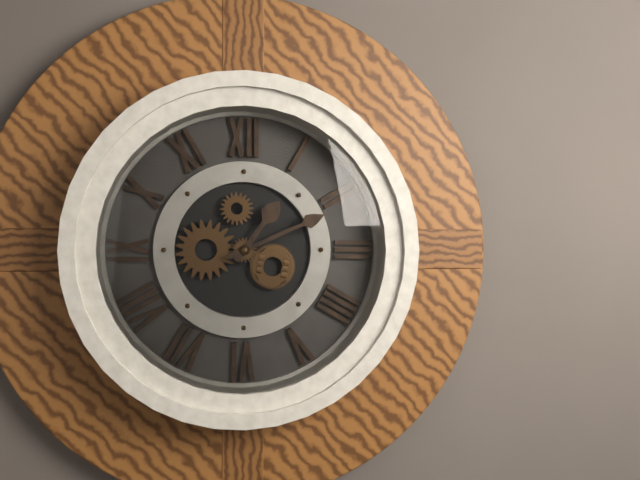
1:11
